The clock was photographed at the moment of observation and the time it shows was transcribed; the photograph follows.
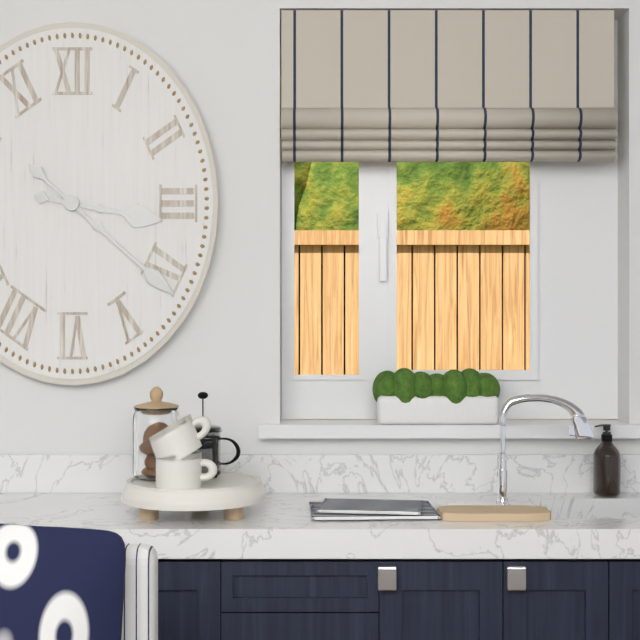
3:22
